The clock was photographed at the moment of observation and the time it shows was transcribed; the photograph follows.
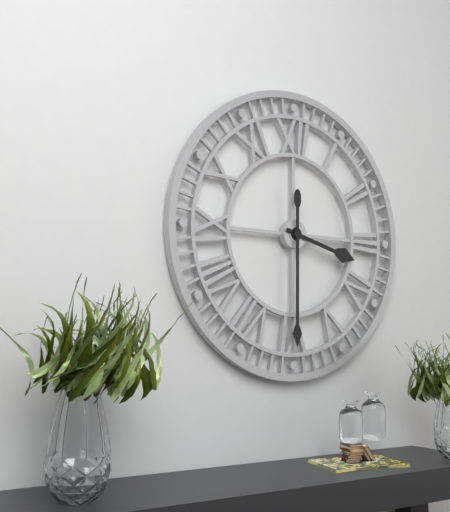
3:30
